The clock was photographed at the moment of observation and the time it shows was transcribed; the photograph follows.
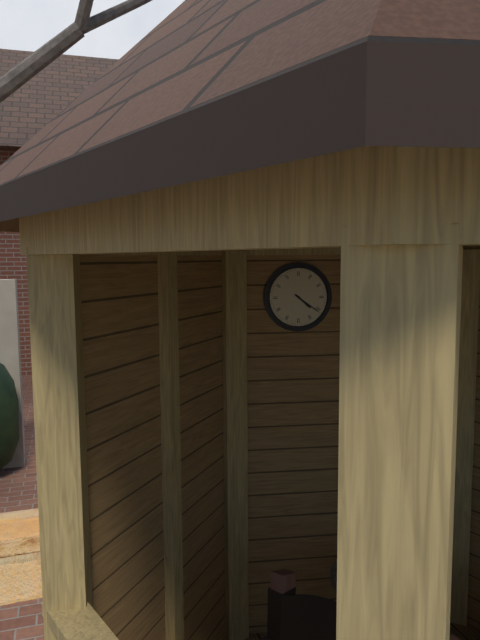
4:21
